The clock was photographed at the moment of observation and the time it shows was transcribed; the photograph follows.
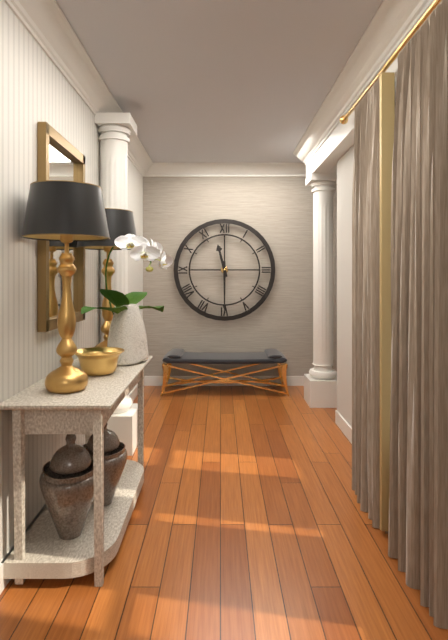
11:30
